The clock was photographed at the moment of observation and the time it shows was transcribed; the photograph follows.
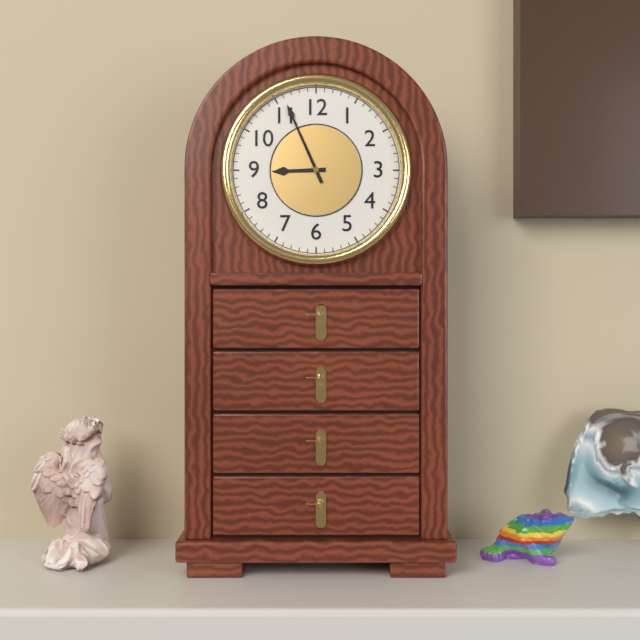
8:56
